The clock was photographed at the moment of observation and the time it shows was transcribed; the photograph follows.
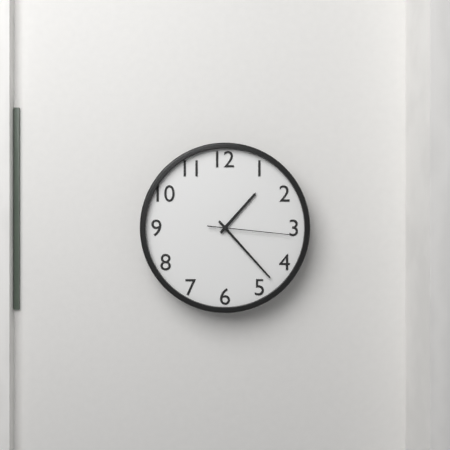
1:23:16
